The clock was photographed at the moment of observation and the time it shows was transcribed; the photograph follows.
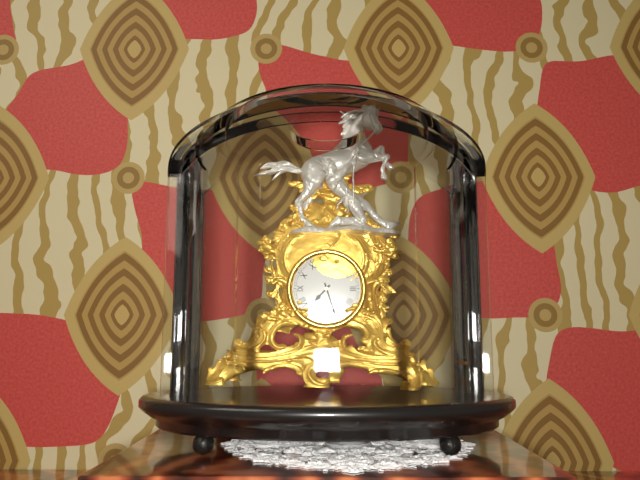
7:27
